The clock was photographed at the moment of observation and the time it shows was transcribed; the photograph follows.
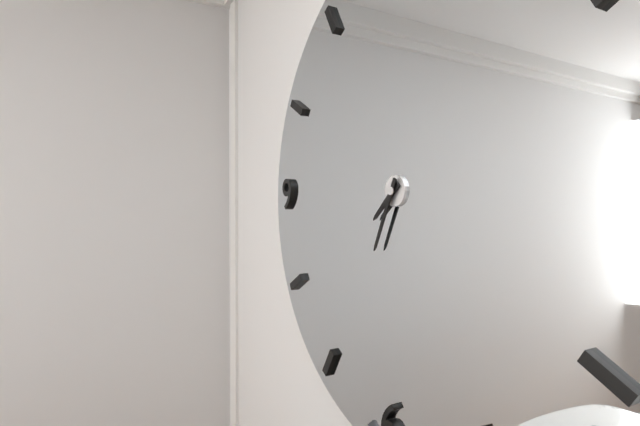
7:34
